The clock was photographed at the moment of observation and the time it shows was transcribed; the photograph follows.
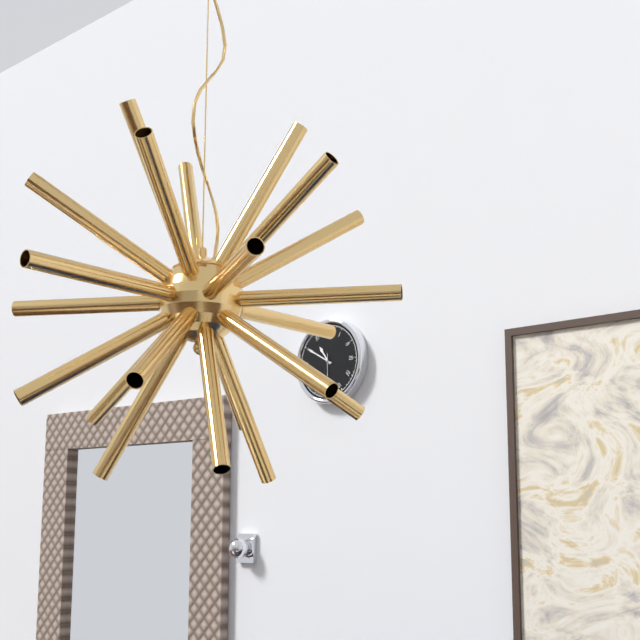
10:50
